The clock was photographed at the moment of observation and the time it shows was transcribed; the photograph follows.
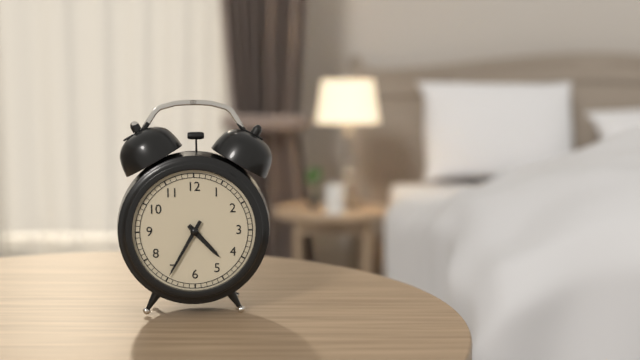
4:35
